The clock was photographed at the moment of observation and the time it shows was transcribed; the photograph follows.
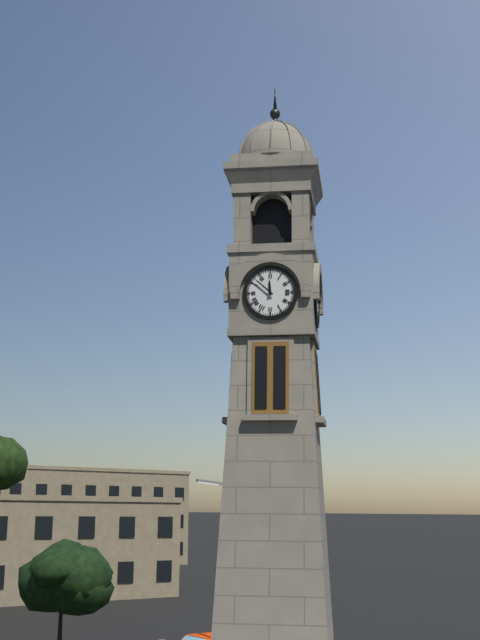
11:52
